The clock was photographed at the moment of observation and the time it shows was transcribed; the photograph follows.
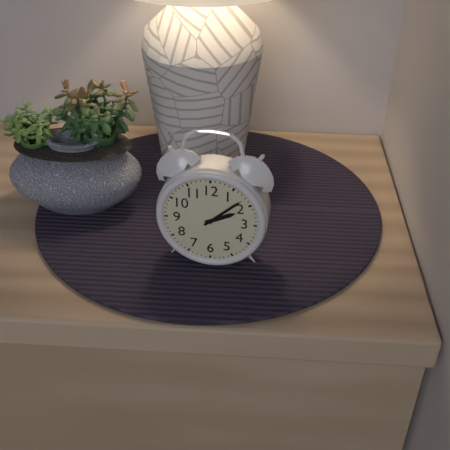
2:08
